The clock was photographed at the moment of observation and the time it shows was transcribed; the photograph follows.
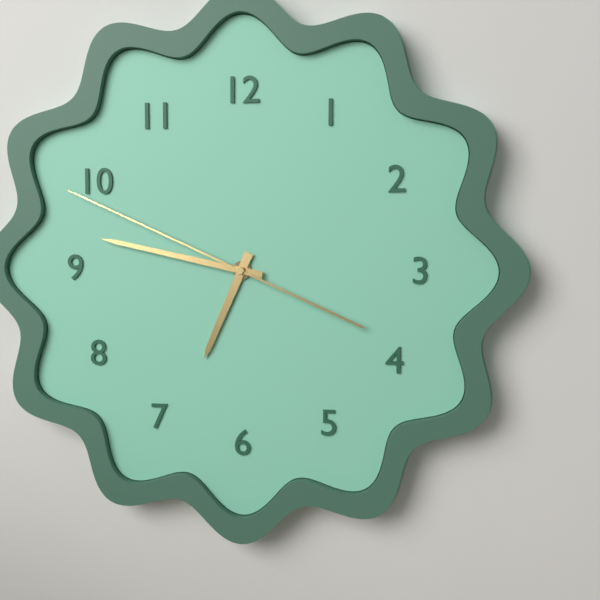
6:47:49
